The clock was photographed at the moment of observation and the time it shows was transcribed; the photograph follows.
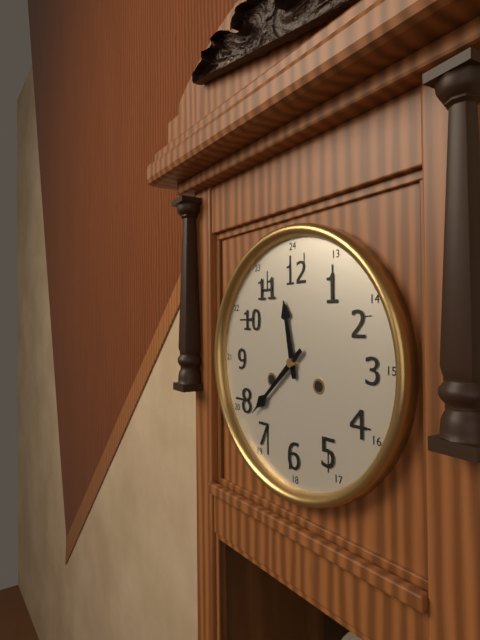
11:38
